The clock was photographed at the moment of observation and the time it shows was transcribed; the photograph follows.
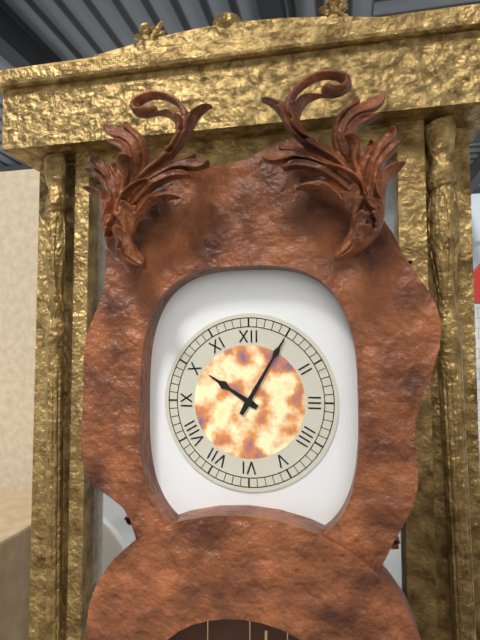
10:05
